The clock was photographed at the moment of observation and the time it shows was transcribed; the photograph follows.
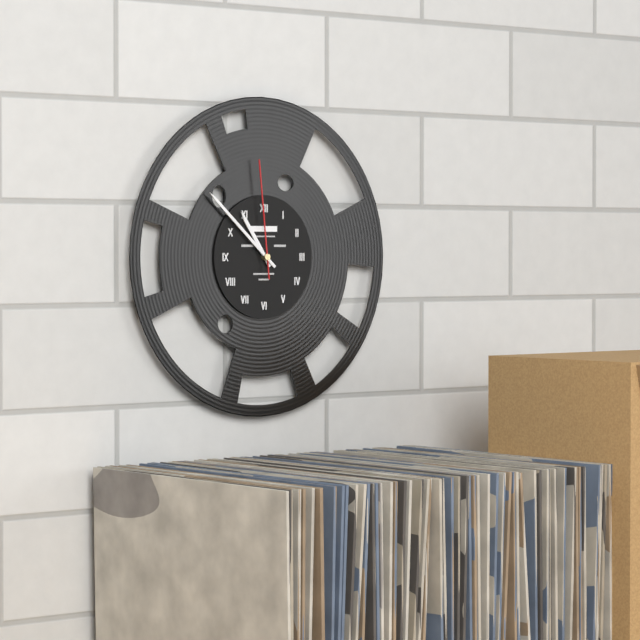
10:52:59
